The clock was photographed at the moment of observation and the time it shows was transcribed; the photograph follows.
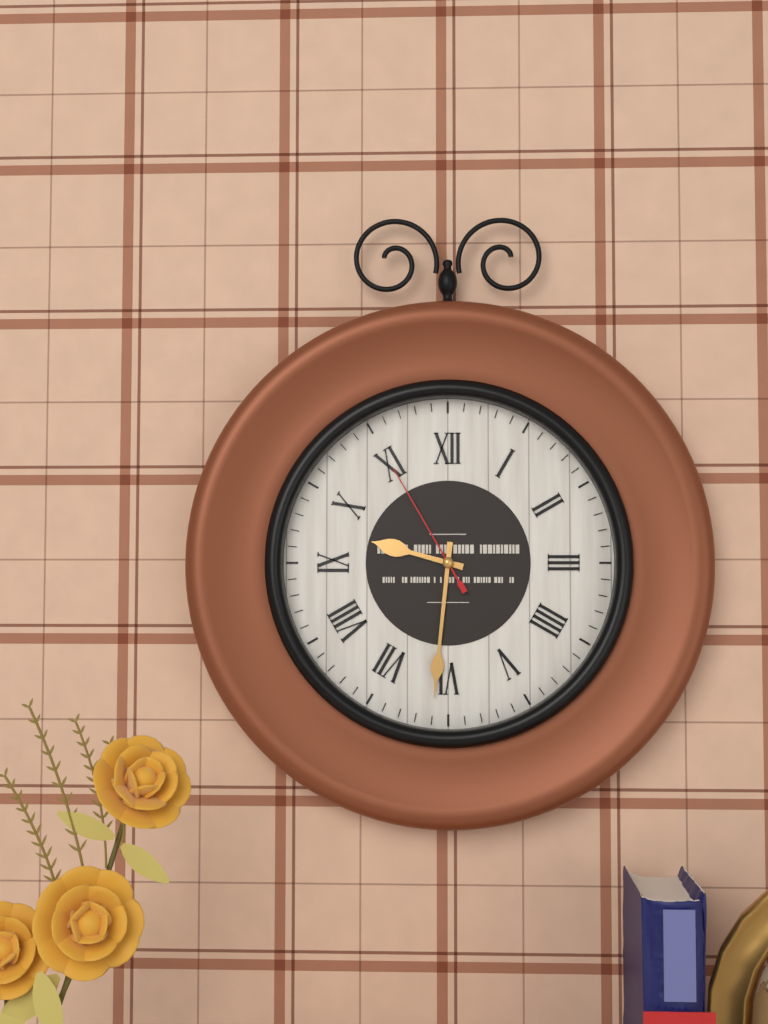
9:31:55
